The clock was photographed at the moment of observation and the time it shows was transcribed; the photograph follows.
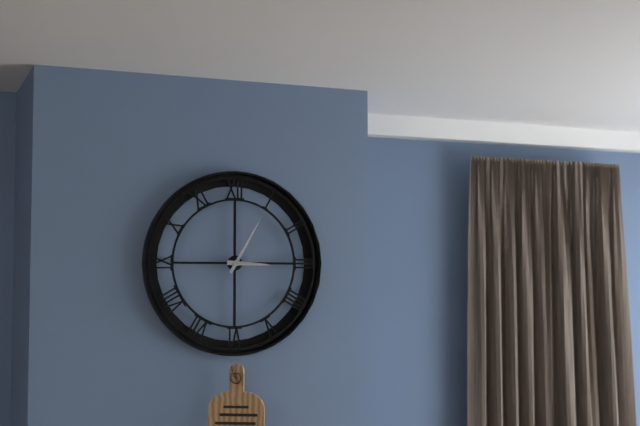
3:05
